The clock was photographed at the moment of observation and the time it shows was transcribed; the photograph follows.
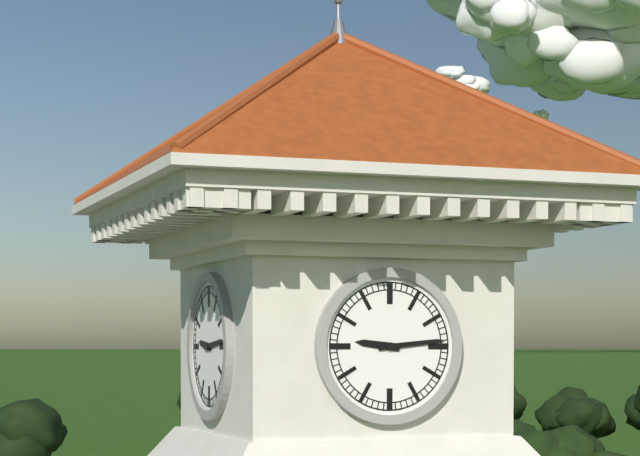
9:14
